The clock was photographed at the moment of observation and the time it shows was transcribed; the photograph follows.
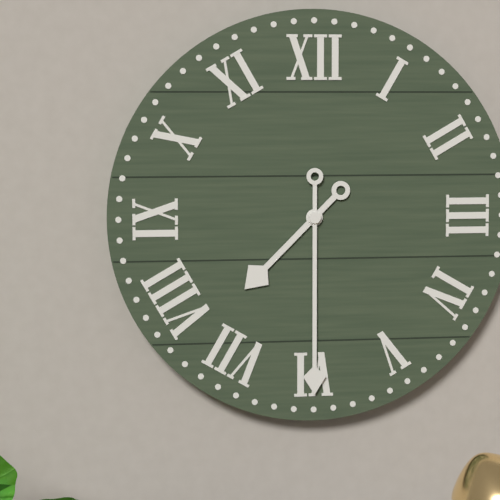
7:30
